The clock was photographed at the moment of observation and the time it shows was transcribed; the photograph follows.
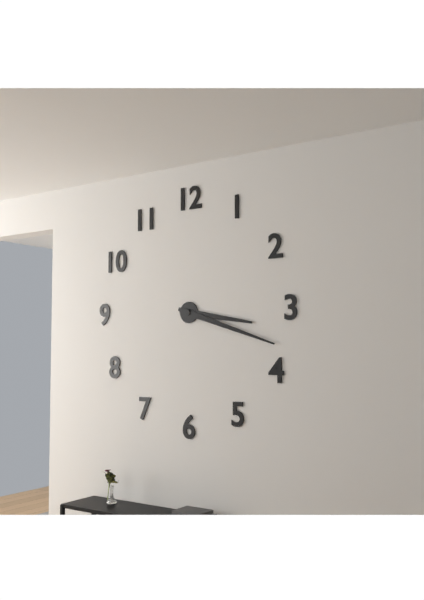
3:18
